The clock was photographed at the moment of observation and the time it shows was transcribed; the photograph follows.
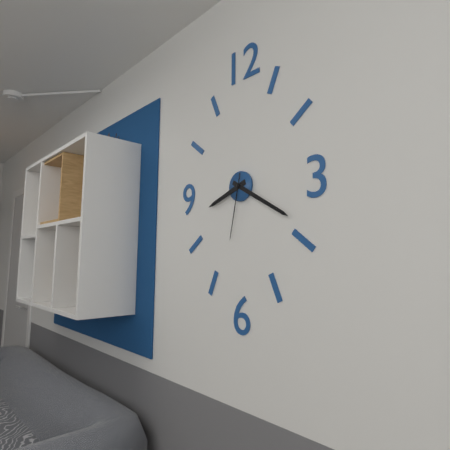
8:20:32
